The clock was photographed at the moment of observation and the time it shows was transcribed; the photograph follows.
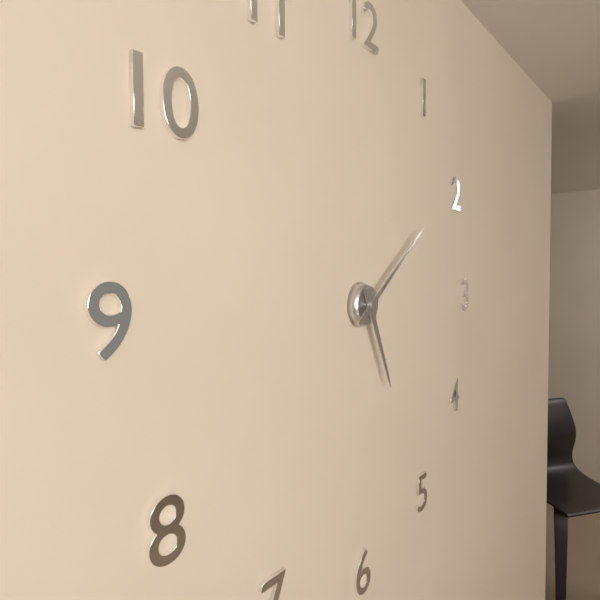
5:09
